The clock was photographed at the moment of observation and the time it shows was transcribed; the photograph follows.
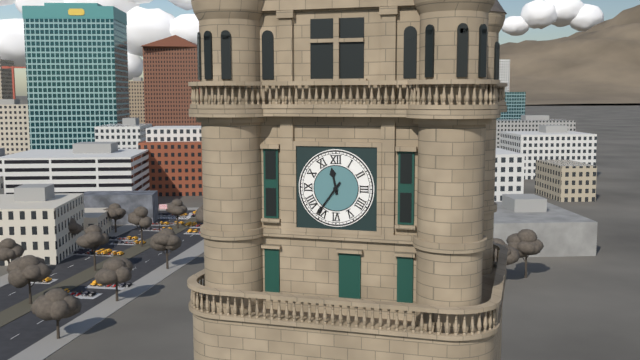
11:36
